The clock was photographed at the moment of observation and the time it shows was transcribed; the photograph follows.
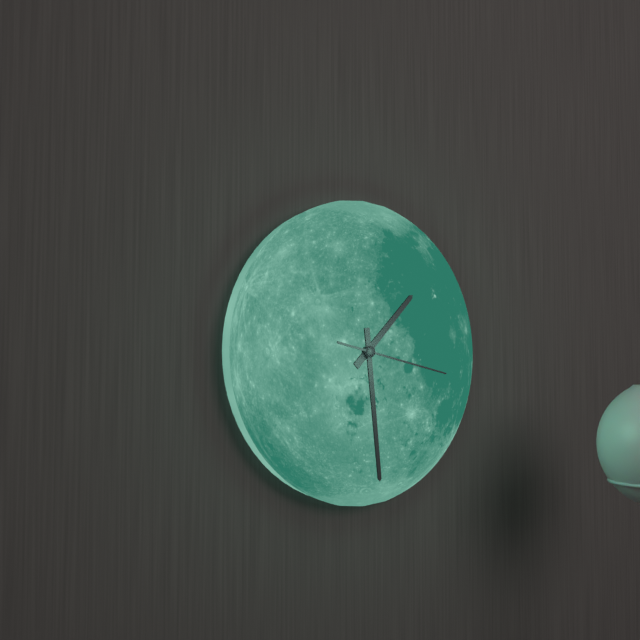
1:29:17
